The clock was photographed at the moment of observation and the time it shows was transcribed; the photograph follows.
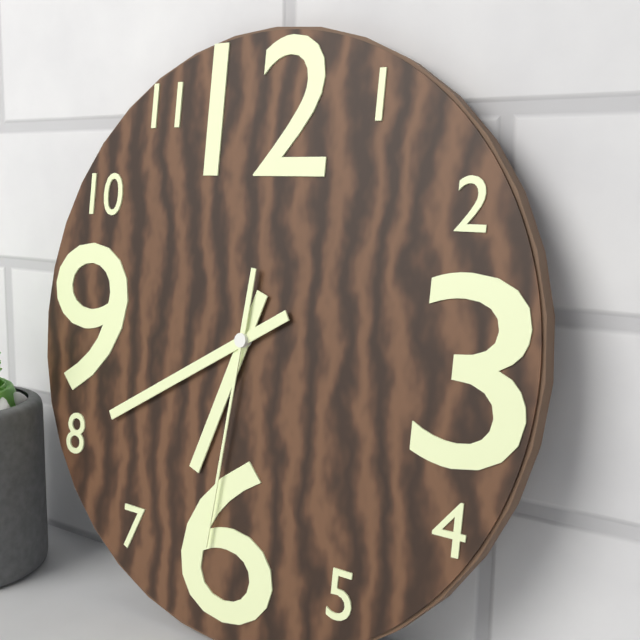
6:40:31
